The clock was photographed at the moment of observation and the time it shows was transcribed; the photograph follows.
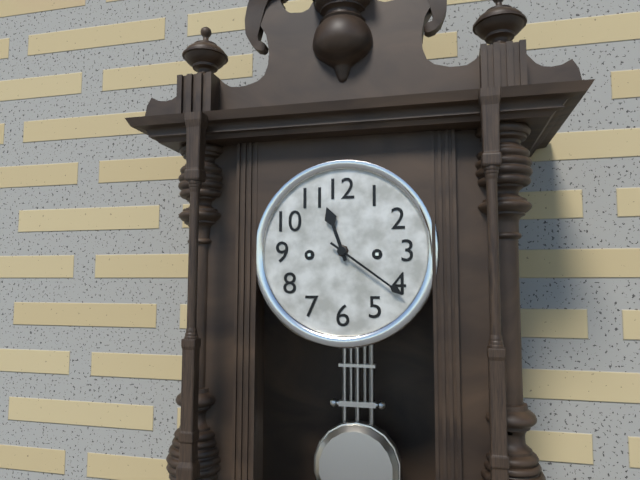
11:21
